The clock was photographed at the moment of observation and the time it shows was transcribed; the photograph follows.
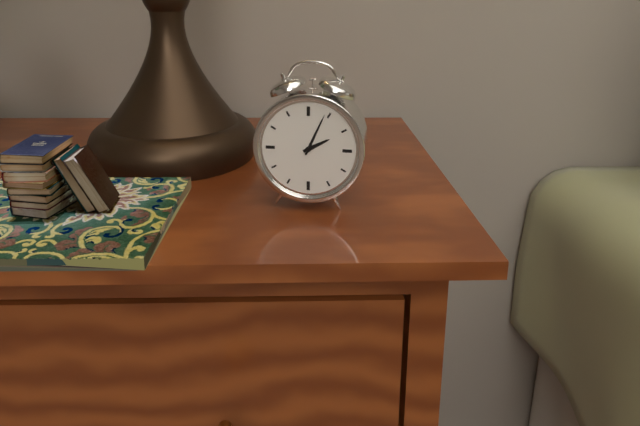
2:04
